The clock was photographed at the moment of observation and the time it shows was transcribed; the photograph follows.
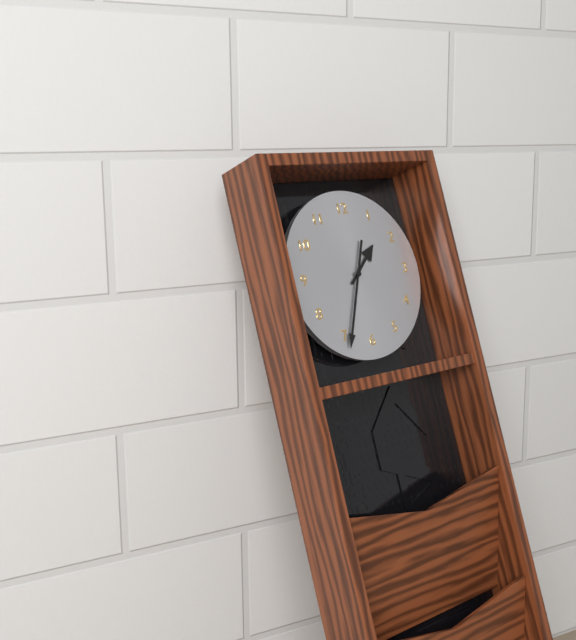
1:34
